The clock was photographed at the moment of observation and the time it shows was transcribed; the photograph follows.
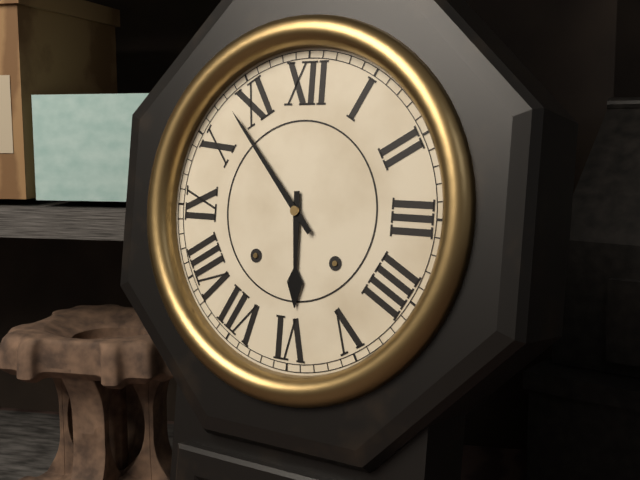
5:53
